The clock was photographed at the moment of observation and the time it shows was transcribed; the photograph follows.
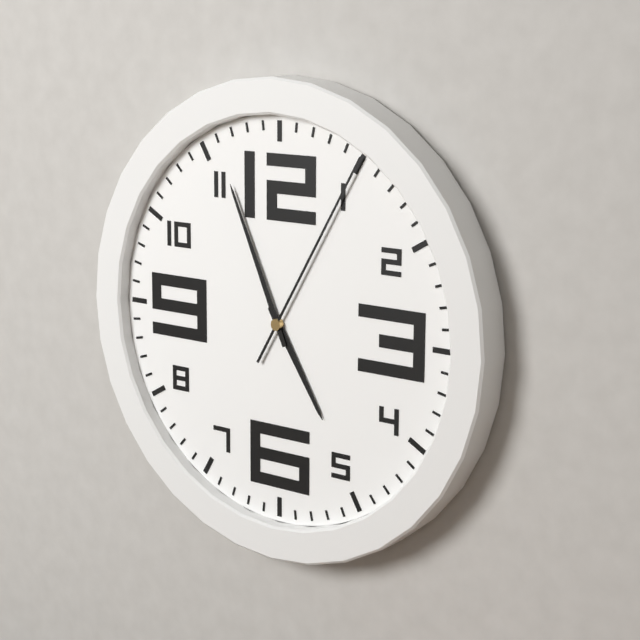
4:56:05
